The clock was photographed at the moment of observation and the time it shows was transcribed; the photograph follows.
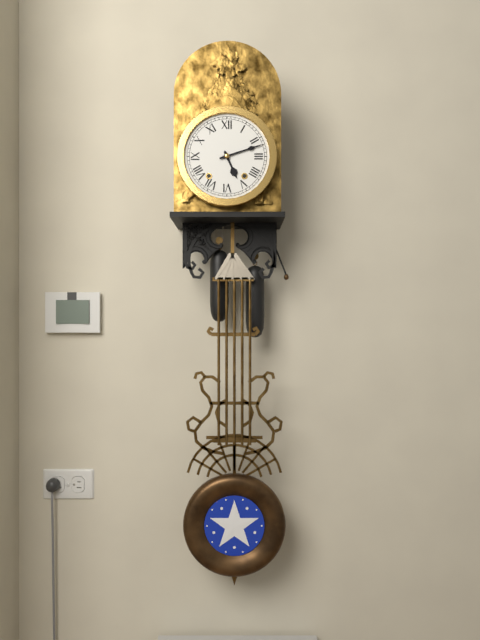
5:12
